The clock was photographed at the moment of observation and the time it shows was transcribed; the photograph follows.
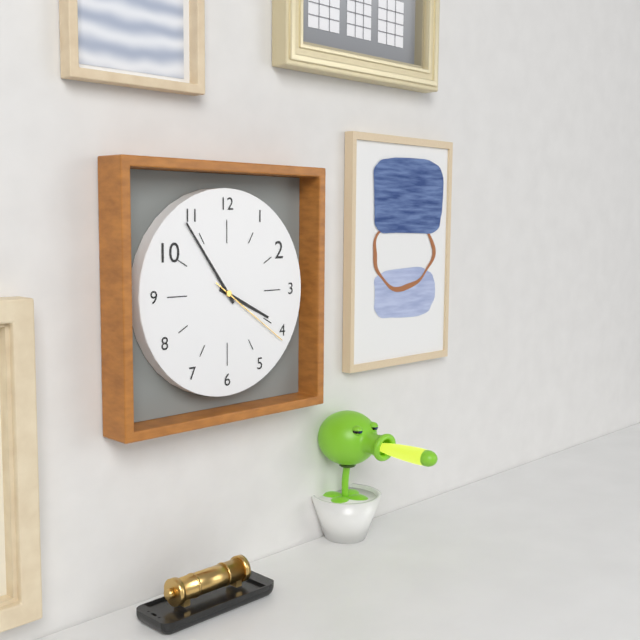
3:54:21
